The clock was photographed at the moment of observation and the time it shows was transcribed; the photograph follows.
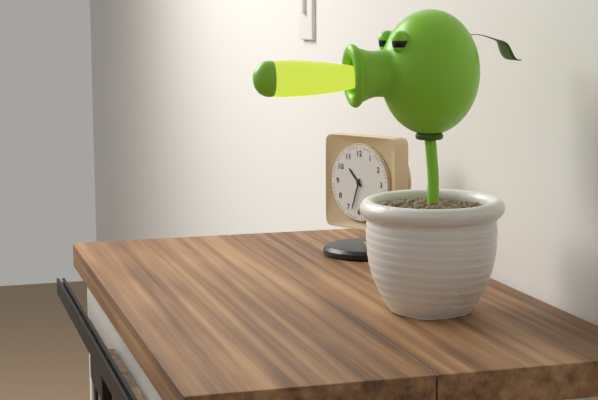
10:33
